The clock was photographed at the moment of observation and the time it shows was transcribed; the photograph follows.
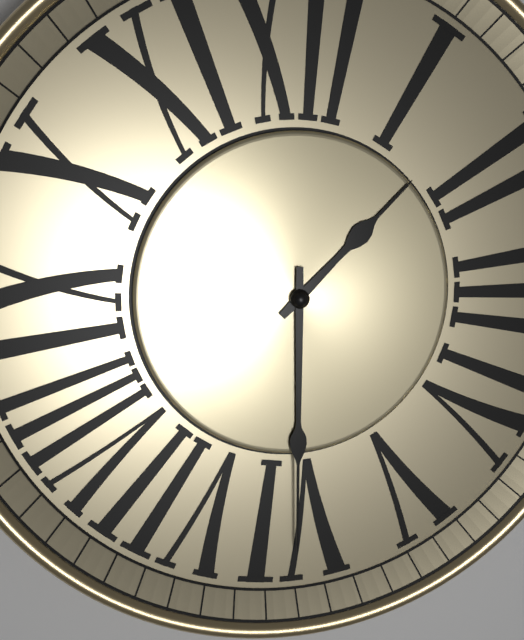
1:30
